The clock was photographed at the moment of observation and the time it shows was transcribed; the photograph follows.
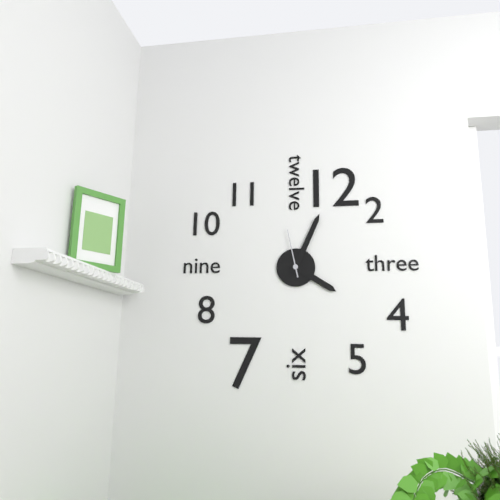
4:04:58
